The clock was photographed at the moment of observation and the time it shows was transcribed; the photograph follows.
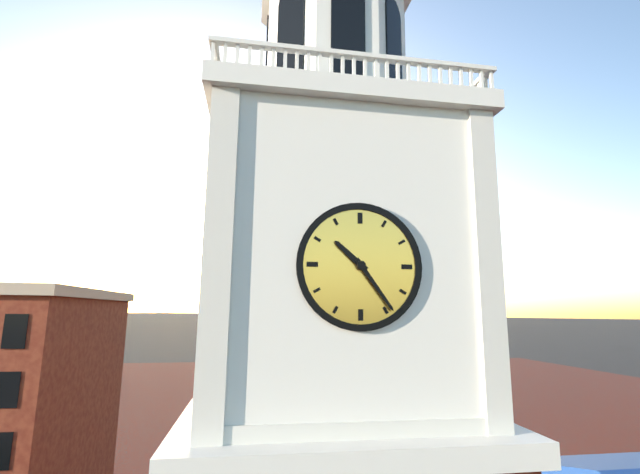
10:24
